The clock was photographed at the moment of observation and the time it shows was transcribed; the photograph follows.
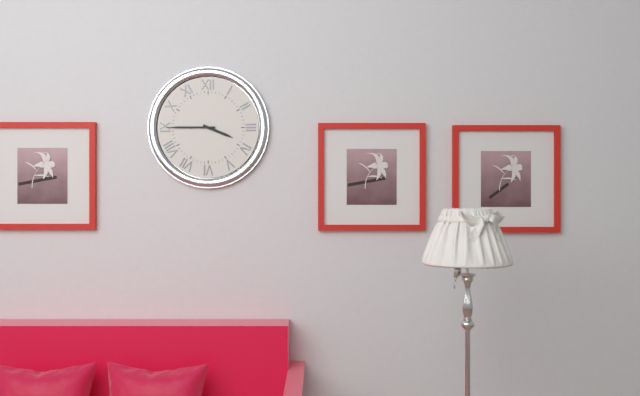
3:45
